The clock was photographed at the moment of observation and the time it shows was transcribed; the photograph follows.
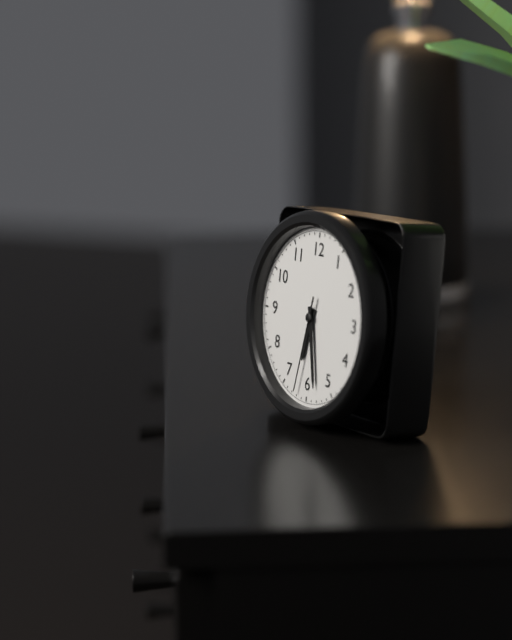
6:28:32
